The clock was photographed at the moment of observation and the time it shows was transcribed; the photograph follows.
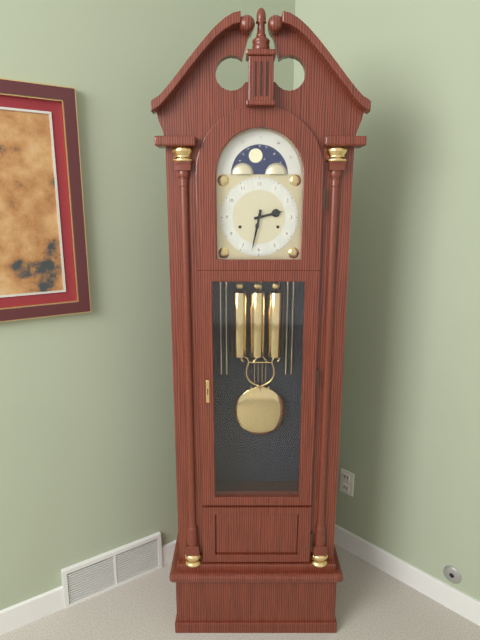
2:32
